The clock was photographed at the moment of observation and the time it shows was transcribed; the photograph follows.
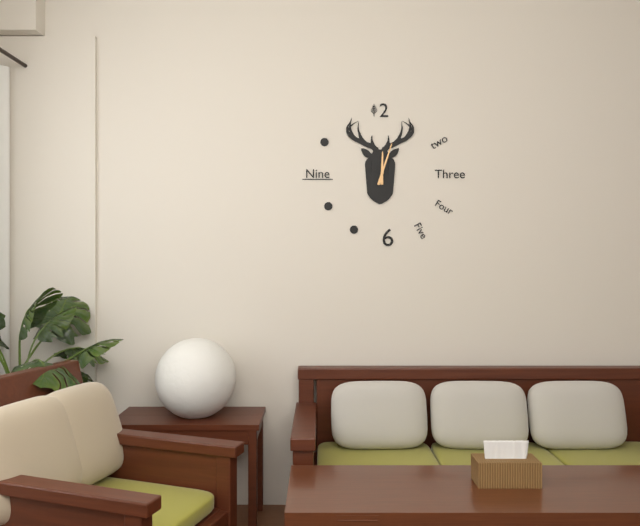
12:03
